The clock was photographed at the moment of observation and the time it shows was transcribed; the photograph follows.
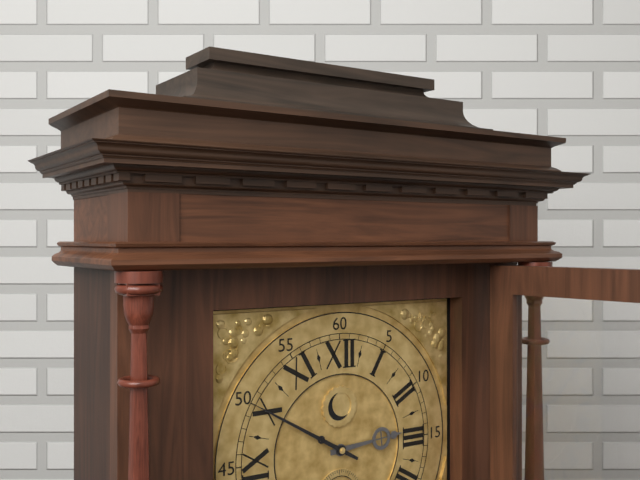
2:50
